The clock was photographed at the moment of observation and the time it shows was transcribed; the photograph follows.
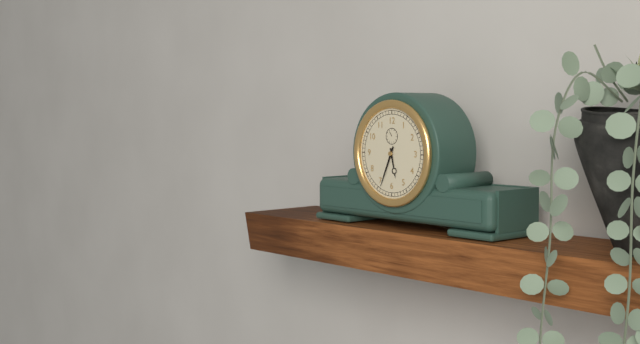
5:34
